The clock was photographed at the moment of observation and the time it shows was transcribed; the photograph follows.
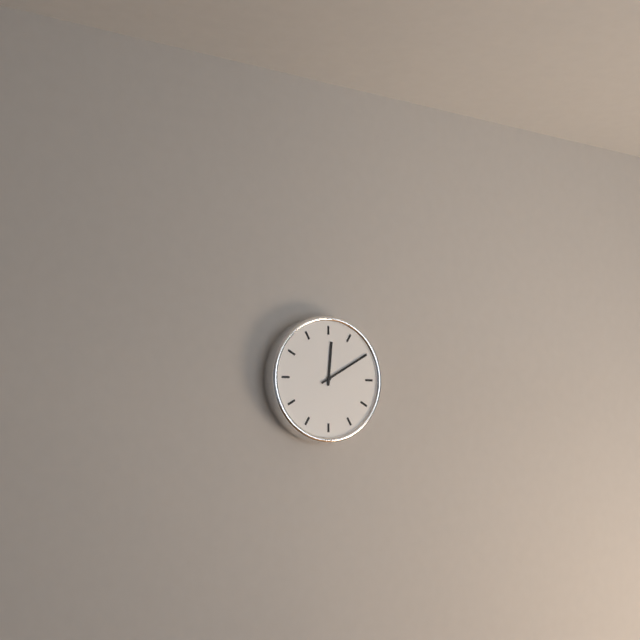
12:10
